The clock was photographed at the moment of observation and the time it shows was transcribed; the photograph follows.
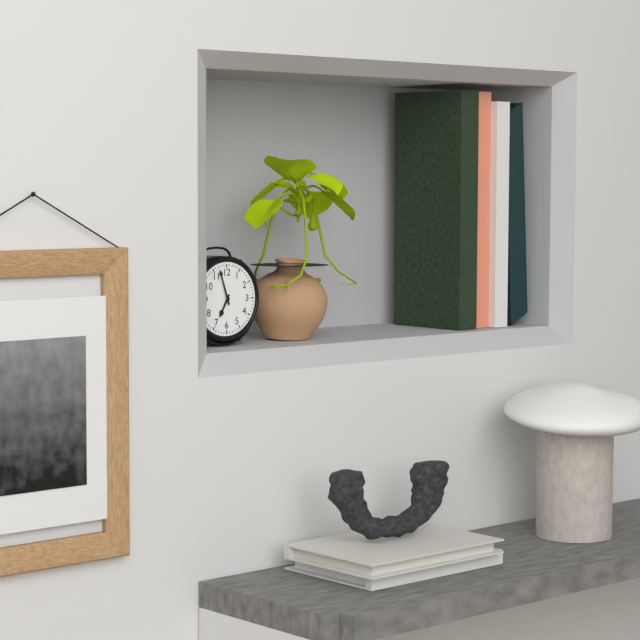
6:57
